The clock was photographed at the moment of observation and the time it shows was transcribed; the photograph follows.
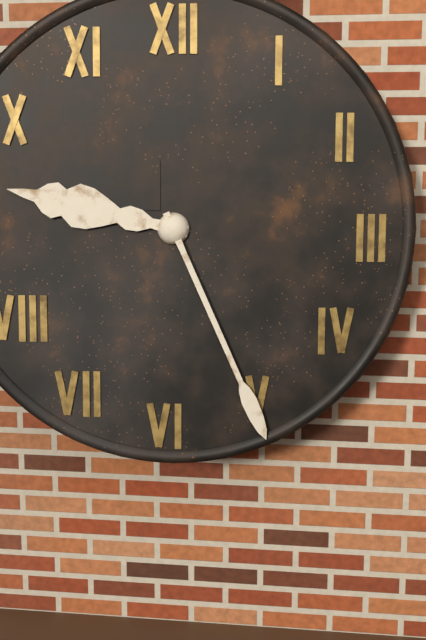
9:26
